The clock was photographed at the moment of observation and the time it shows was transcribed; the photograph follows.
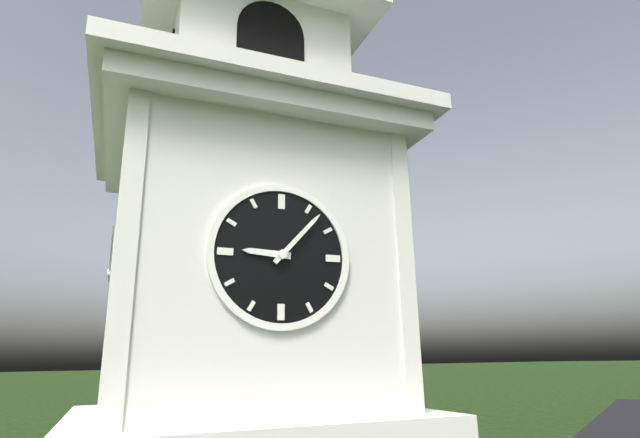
9:07
